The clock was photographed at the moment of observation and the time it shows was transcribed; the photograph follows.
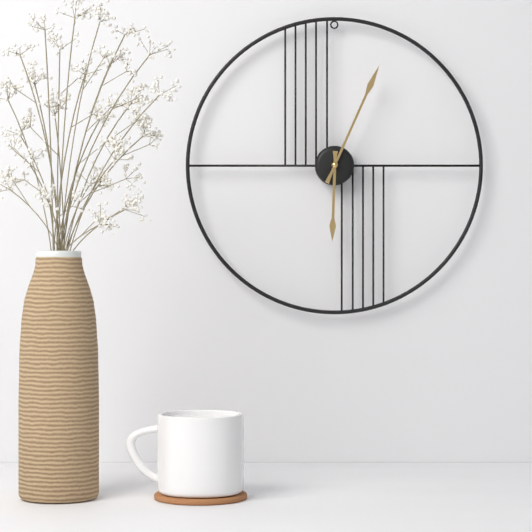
6:04
